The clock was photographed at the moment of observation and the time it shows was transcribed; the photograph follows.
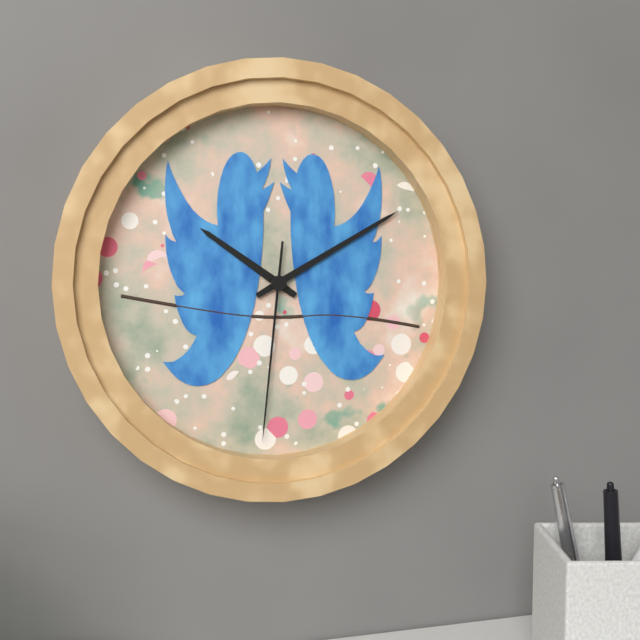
10:10:31
